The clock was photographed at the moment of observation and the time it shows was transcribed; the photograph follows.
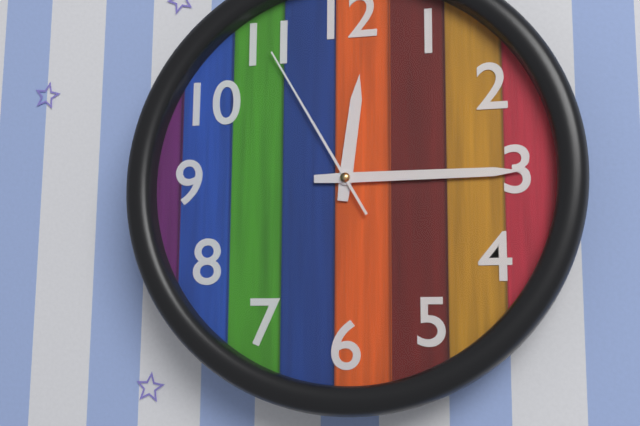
12:15:55
